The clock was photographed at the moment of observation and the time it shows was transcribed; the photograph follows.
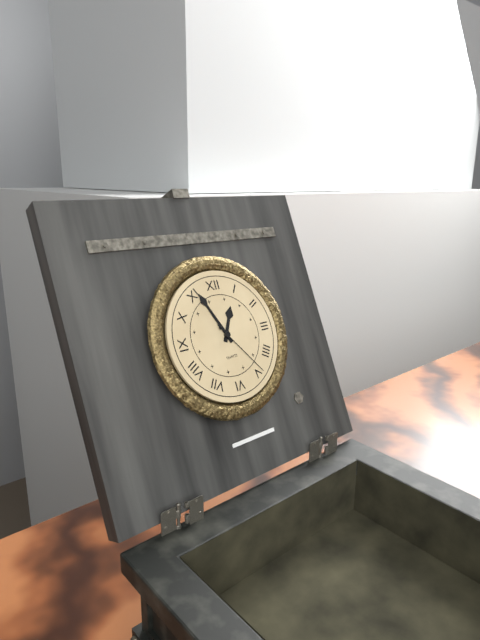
12:56:24
